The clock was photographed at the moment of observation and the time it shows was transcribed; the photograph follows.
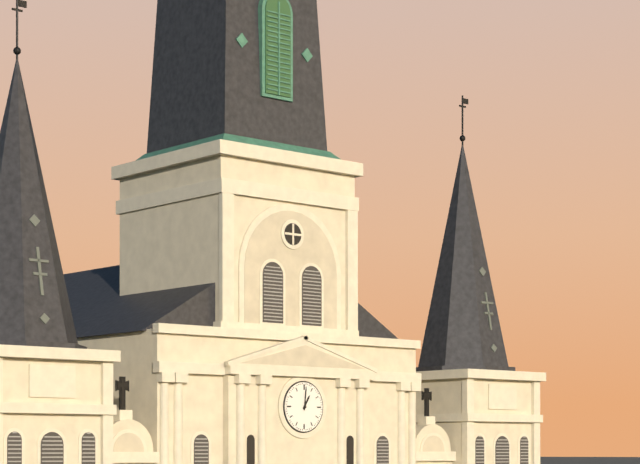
1:01
